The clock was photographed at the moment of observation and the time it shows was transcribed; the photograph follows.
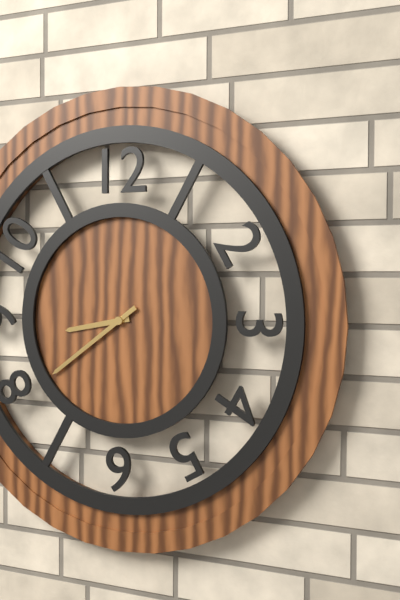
8:39
